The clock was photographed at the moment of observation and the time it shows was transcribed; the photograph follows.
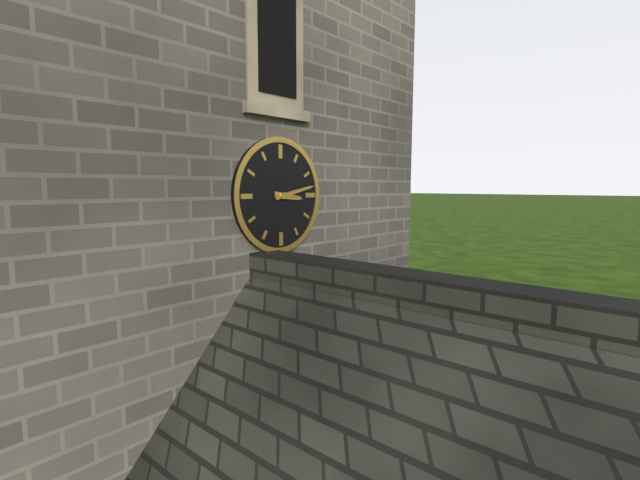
3:13
